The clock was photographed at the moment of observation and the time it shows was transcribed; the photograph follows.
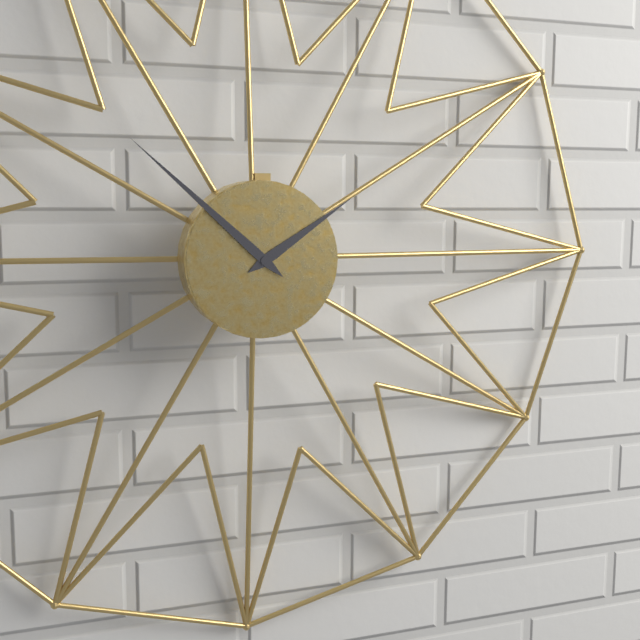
1:52
